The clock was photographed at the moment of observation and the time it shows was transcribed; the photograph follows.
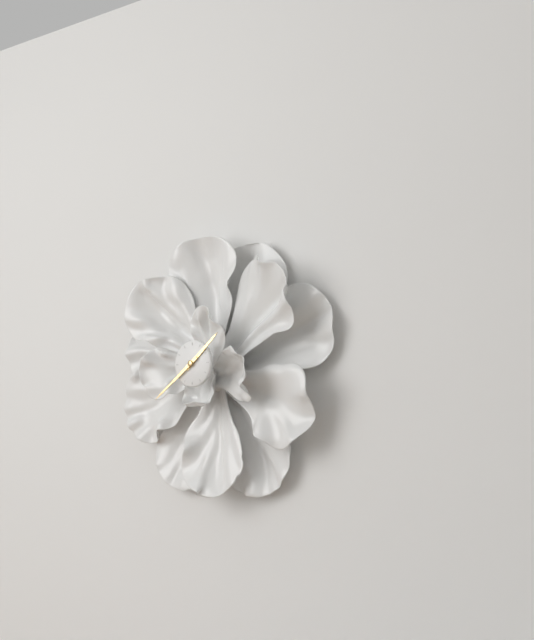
1:39
